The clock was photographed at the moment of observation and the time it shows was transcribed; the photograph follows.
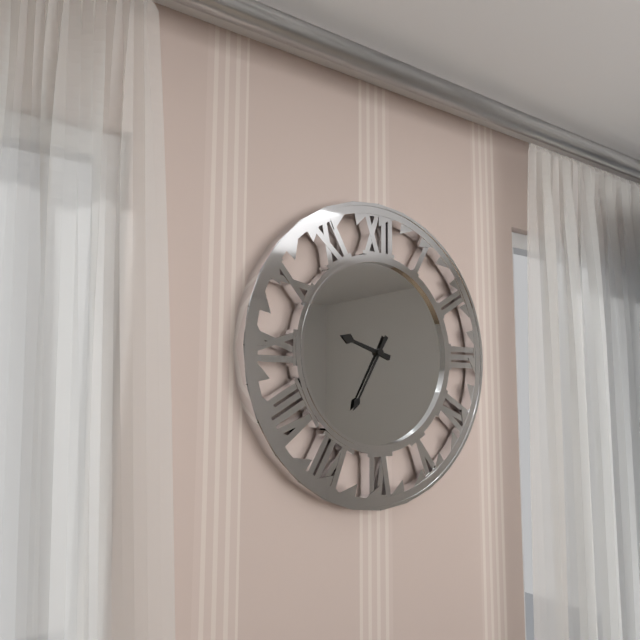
9:35
